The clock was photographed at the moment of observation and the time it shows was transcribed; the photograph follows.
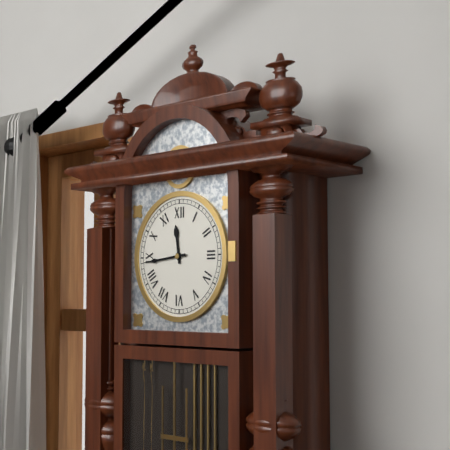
11:44
